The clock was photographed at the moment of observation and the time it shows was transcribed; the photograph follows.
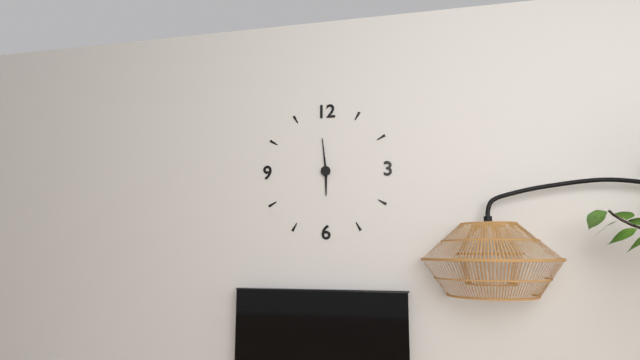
5:59
